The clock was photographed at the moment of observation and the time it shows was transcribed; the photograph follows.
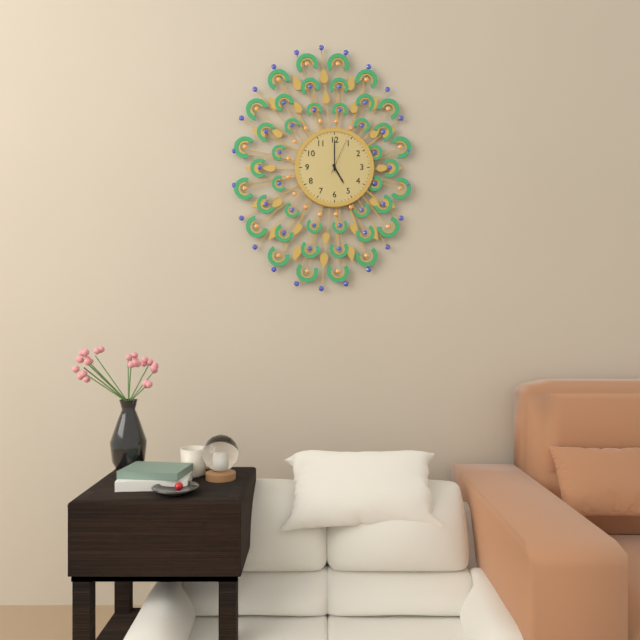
5:00
